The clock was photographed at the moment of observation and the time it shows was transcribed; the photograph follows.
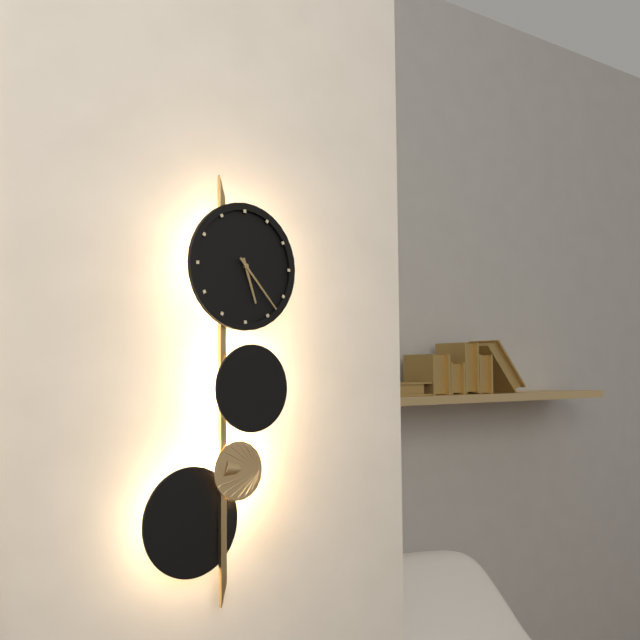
5:23
